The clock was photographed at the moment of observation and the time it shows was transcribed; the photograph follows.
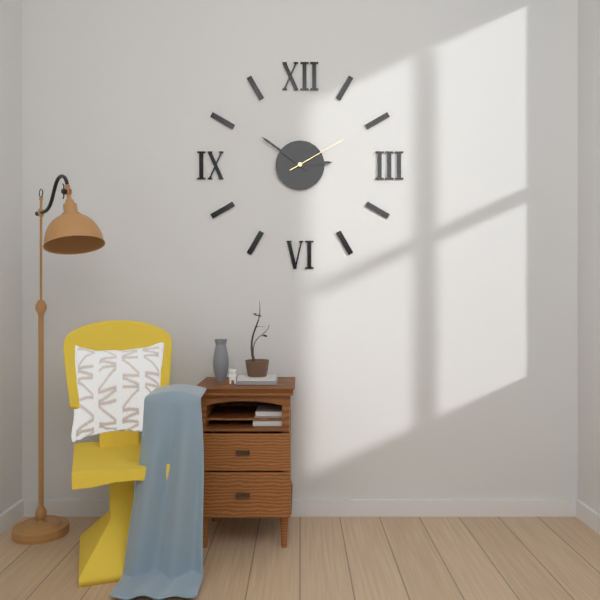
2:51:10
